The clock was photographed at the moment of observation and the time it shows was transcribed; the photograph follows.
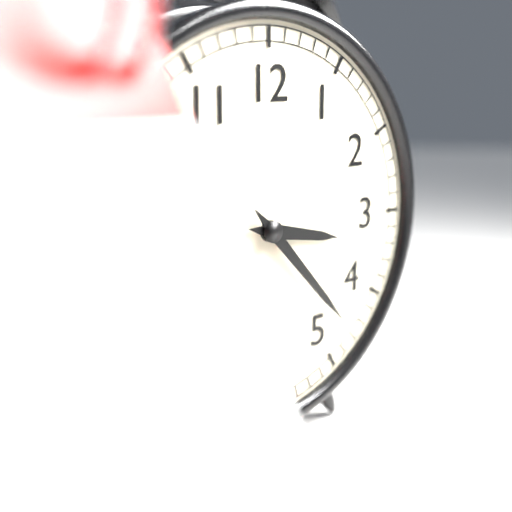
3:23
